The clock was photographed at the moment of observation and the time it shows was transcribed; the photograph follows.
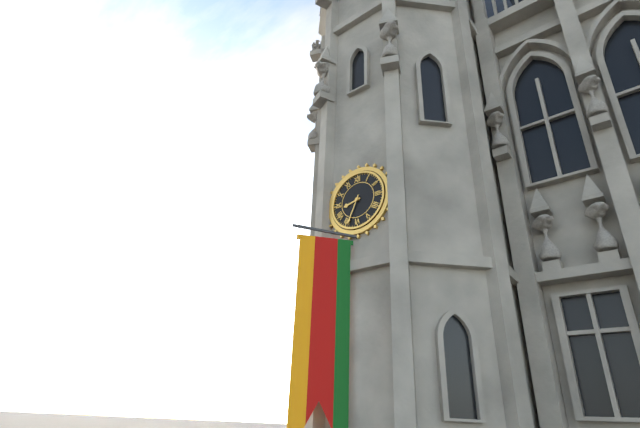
8:34
